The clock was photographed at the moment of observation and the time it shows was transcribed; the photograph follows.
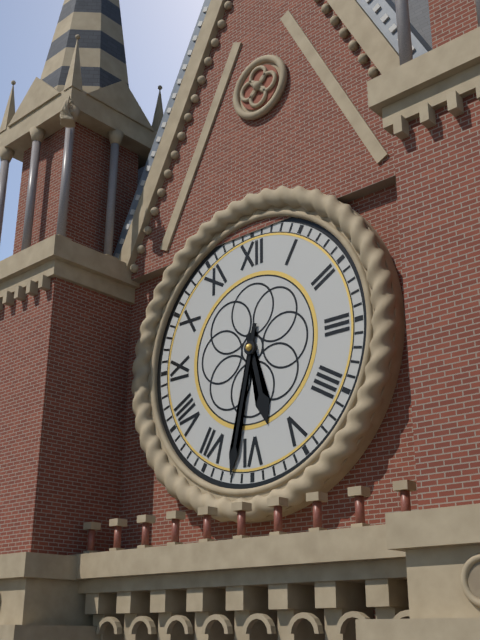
5:32
